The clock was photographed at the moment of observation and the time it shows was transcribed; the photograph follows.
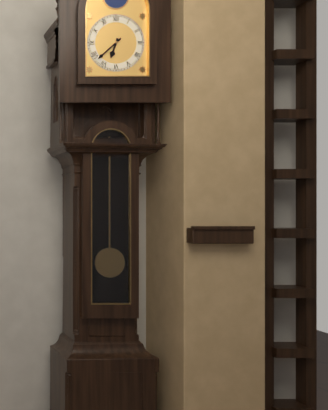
6:38
